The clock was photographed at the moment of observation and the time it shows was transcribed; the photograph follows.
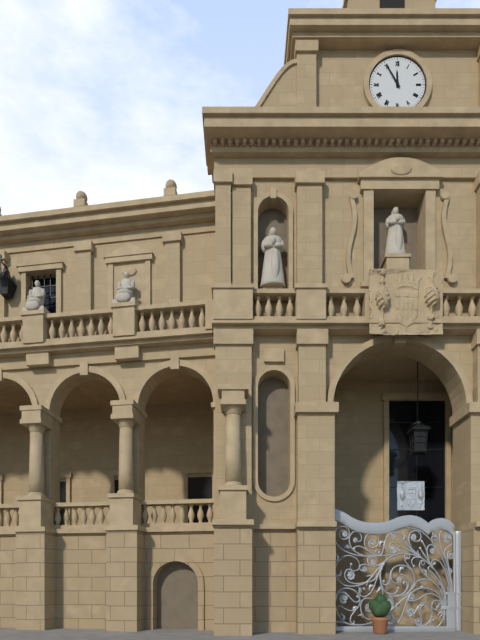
11:55
